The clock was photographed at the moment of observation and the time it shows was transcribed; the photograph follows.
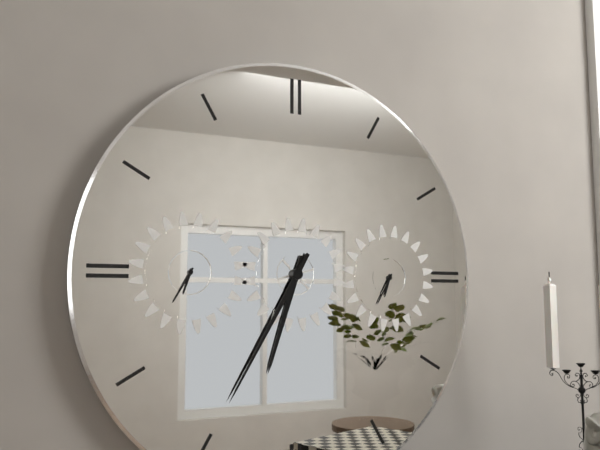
6:35
